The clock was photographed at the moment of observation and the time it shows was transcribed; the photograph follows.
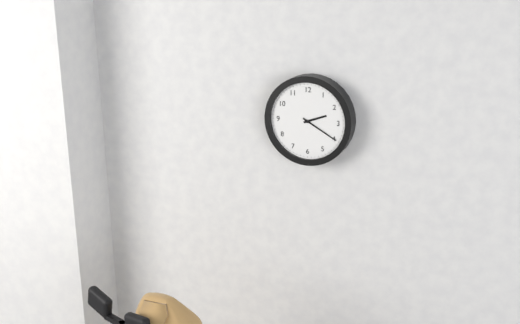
2:20
